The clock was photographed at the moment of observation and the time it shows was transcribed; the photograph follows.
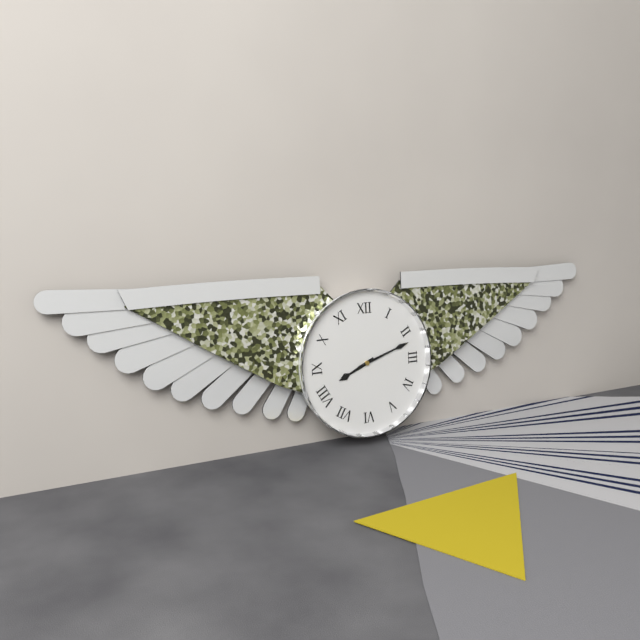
8:12
